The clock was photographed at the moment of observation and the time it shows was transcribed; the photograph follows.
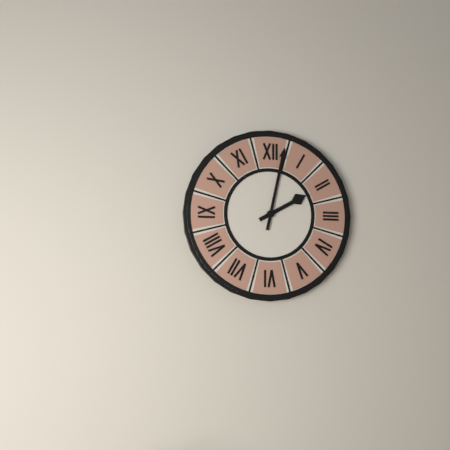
2:02
